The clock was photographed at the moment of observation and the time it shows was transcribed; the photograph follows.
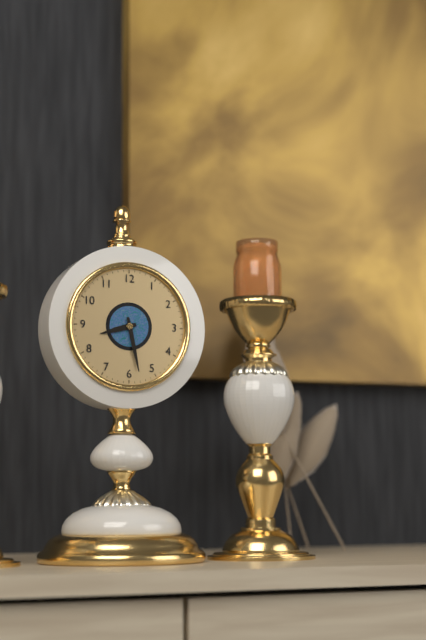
8:28
